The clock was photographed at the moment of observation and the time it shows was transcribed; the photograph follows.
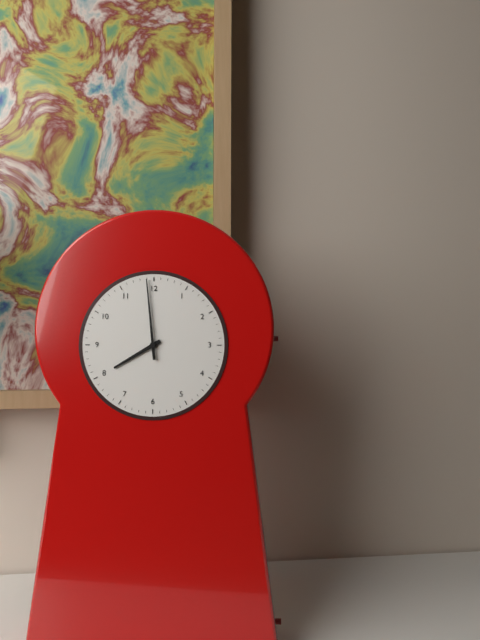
7:59
